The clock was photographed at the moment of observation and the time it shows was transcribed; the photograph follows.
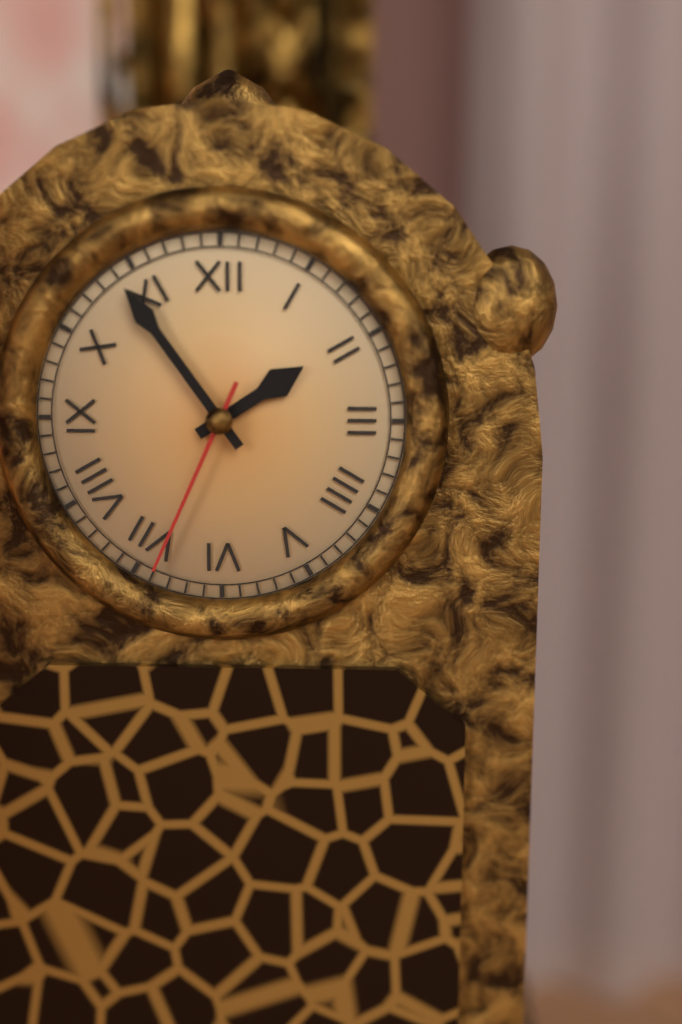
1:54:34
